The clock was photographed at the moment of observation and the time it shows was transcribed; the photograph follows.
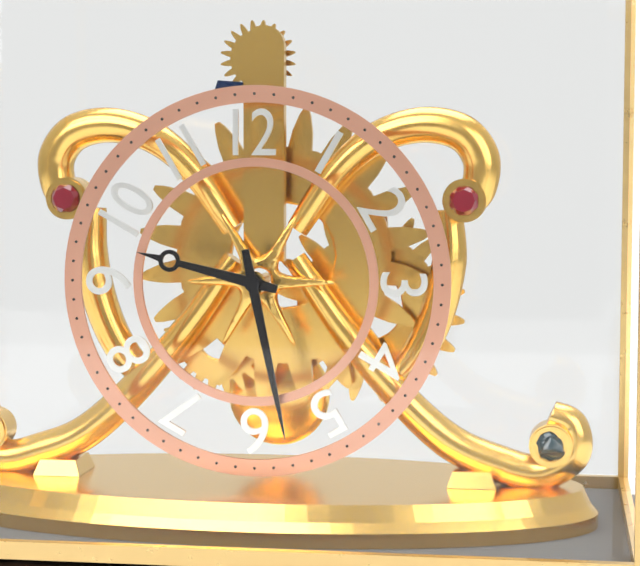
9:28
